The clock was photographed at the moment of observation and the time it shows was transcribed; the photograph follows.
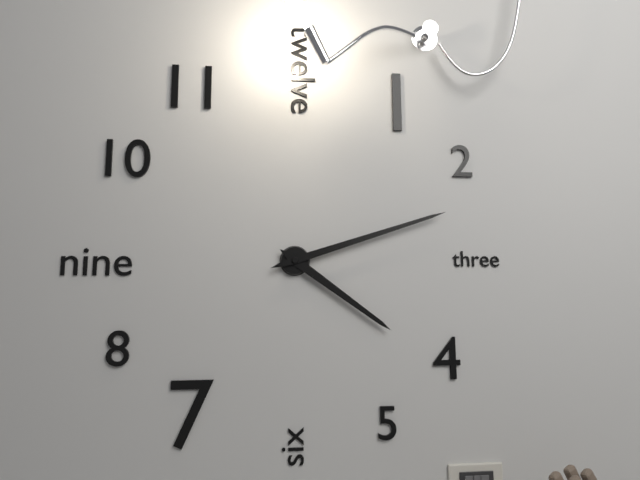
4:12
